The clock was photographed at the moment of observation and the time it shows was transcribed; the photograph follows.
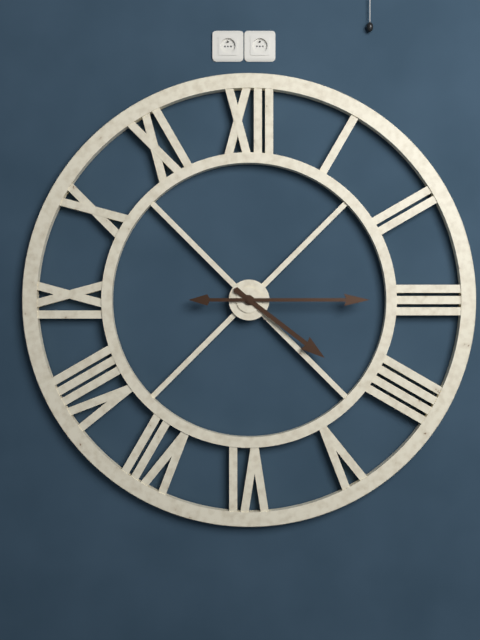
4:15
